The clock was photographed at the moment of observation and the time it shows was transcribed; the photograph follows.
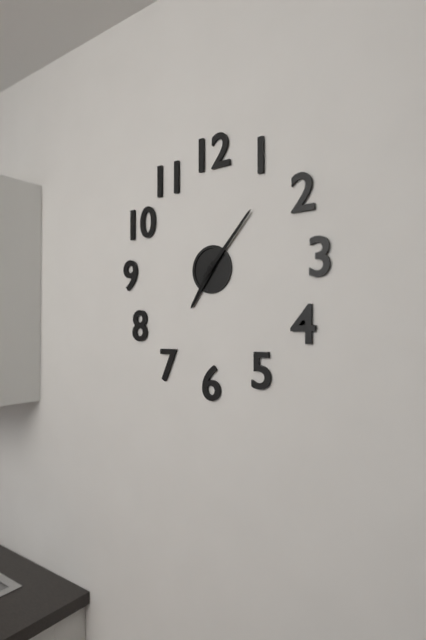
7:07
